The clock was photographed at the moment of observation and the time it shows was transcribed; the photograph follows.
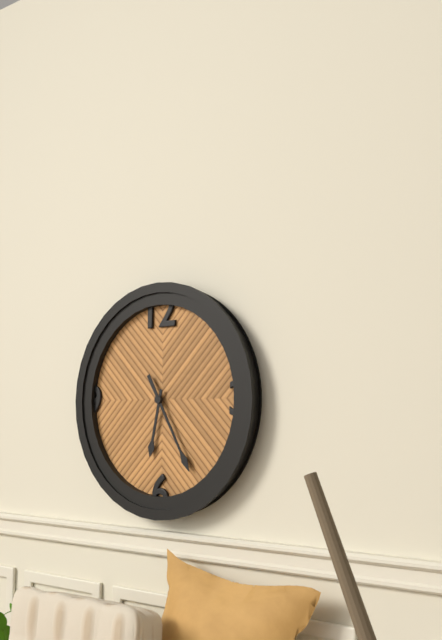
6:25
